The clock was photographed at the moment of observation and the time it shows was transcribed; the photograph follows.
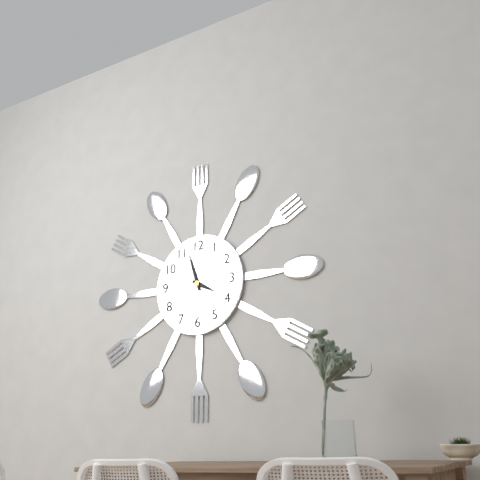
3:57
